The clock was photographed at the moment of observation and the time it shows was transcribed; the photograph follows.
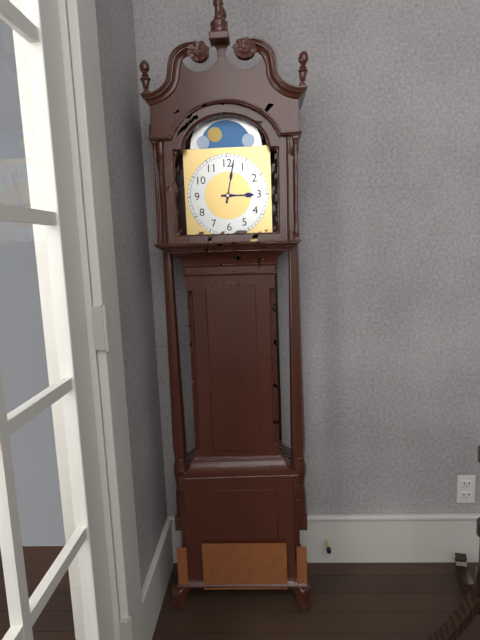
3:02
